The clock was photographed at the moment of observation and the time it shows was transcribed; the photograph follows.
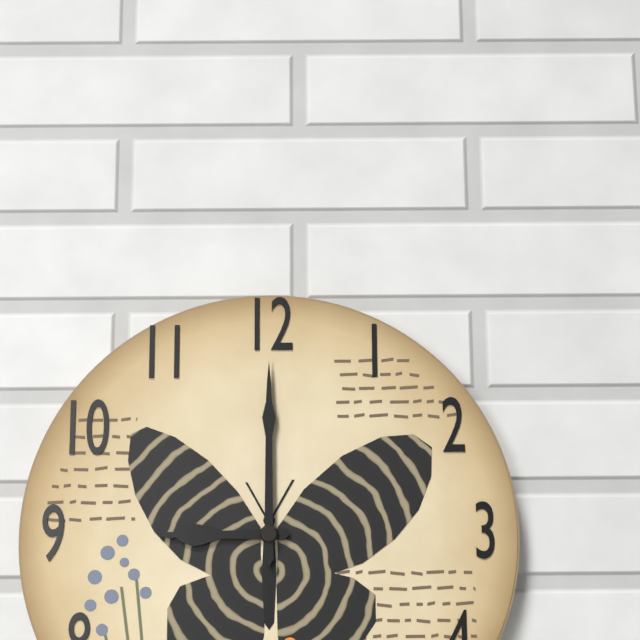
9:00
